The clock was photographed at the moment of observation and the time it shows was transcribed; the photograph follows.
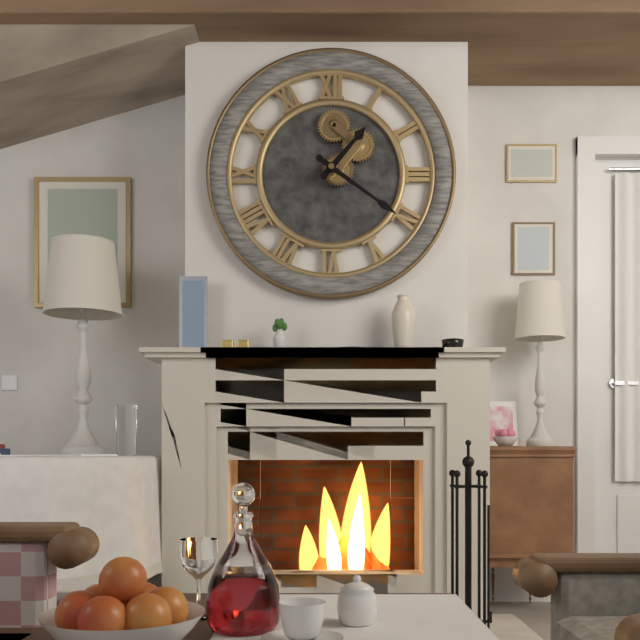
1:21
